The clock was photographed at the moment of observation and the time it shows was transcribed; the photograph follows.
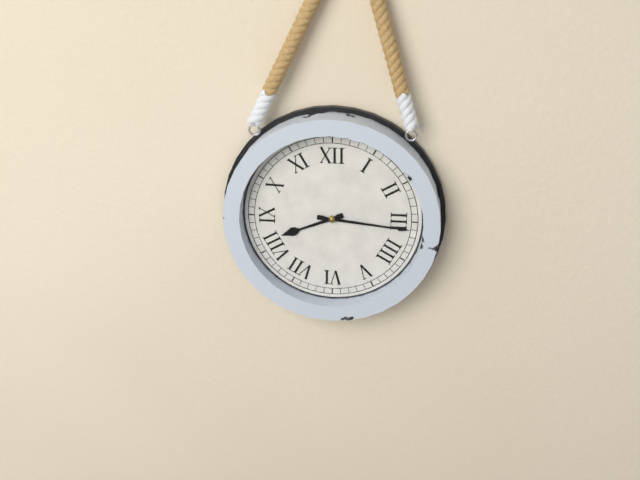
8:16
